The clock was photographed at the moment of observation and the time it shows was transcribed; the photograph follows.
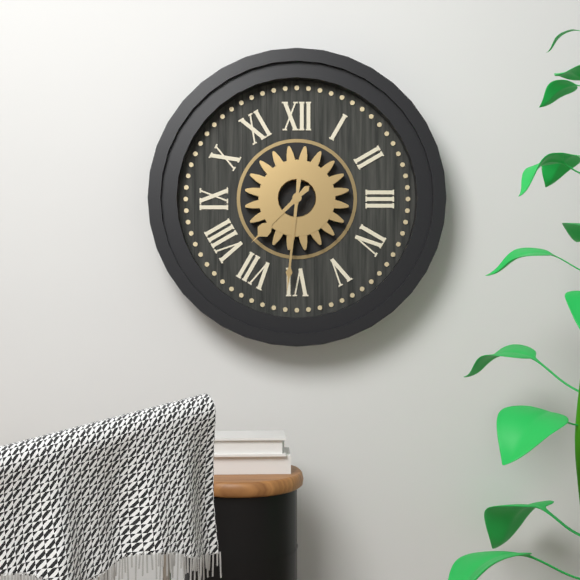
7:31
